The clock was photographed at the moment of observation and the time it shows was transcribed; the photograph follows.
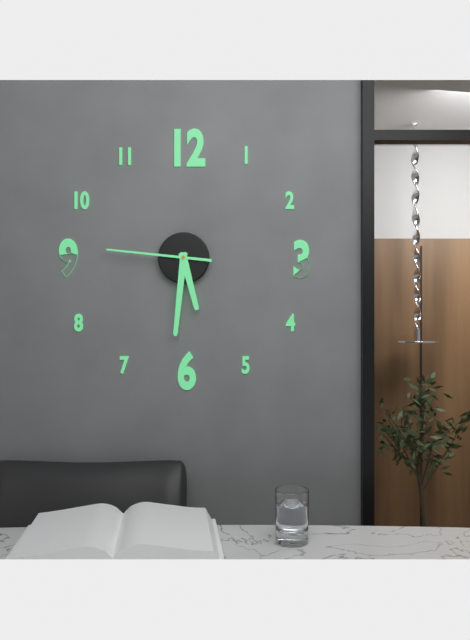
5:31:46
